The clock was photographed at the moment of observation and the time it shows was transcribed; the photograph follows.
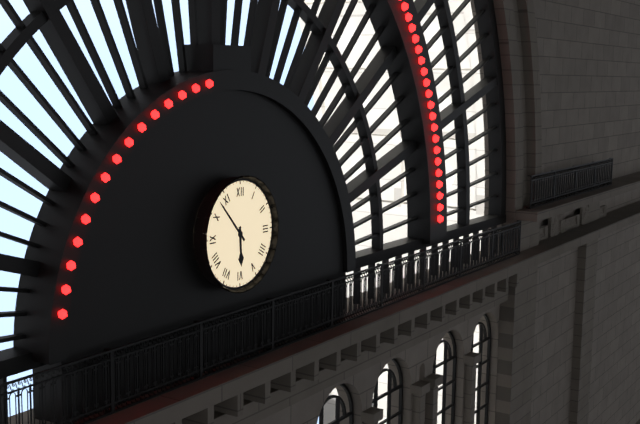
5:53
